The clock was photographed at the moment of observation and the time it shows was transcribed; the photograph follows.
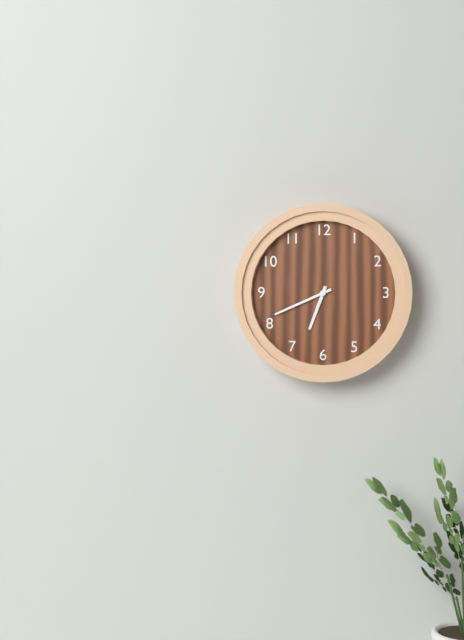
6:41
